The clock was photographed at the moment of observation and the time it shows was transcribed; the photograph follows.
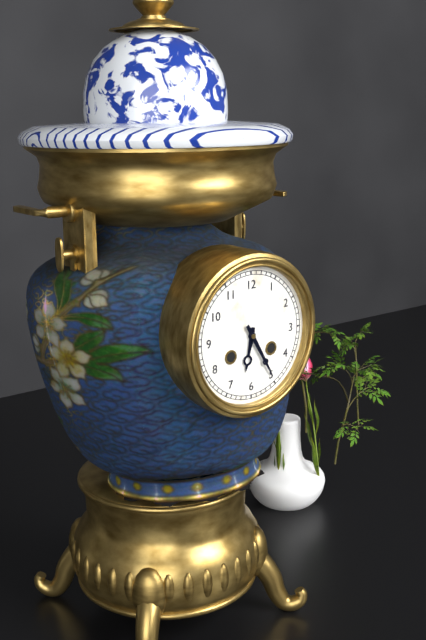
6:25
